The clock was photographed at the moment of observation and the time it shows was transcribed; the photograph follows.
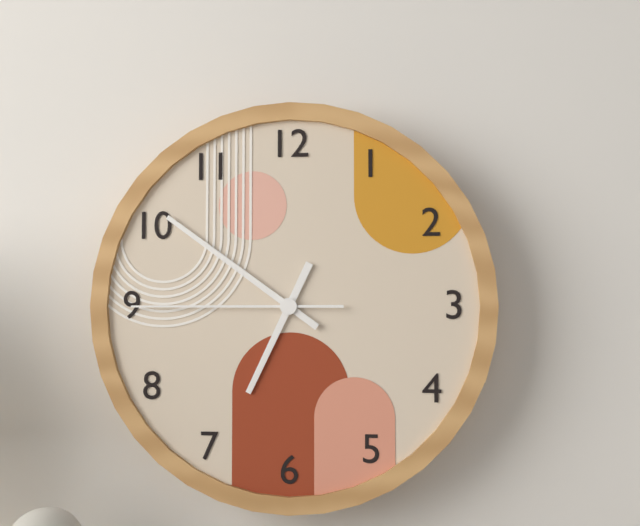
6:51:45
